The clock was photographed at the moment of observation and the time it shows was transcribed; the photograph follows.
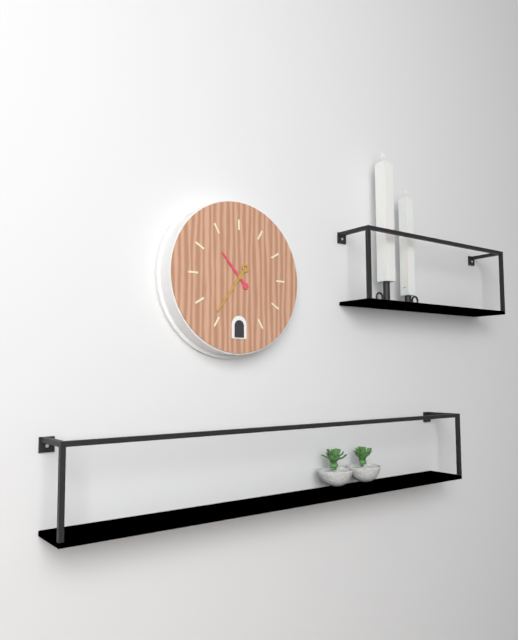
10:36
